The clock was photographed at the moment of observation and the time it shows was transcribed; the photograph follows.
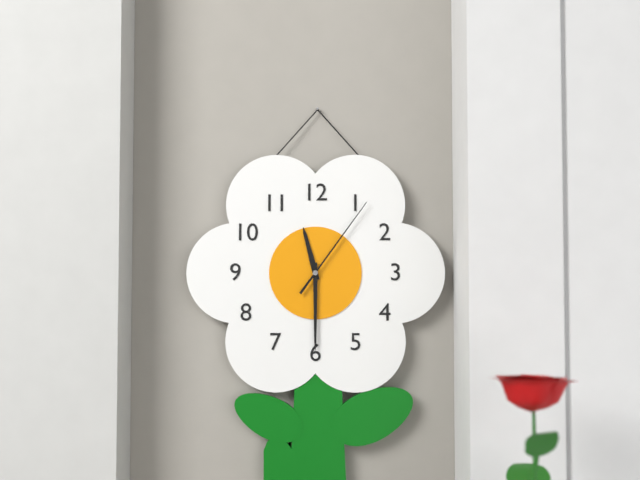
11:30:06
